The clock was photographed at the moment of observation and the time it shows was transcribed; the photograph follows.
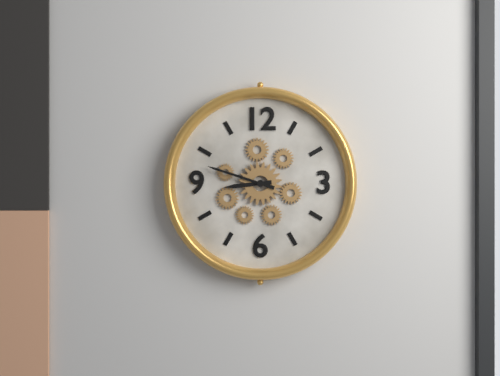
8:48
